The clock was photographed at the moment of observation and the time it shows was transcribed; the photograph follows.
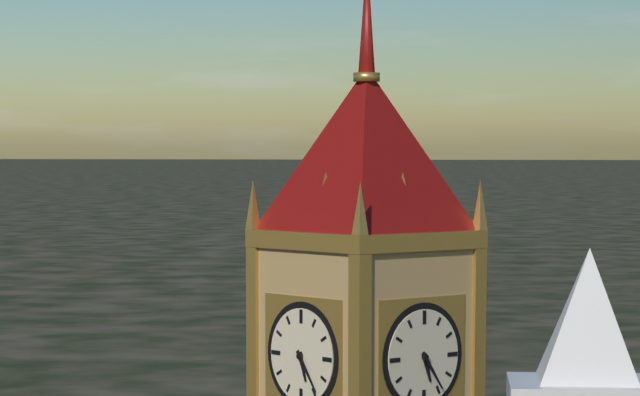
5:24
